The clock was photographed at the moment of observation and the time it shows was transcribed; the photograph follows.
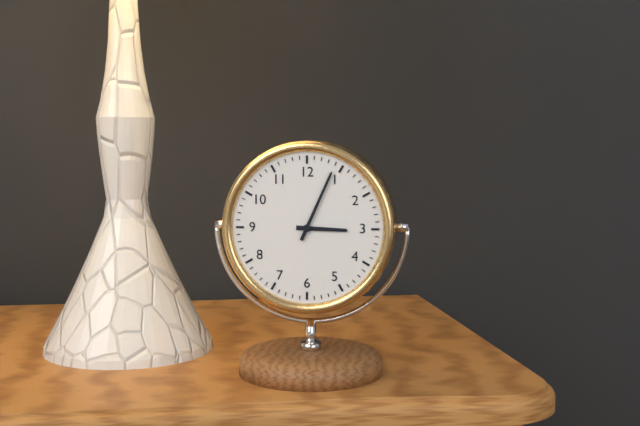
3:04
